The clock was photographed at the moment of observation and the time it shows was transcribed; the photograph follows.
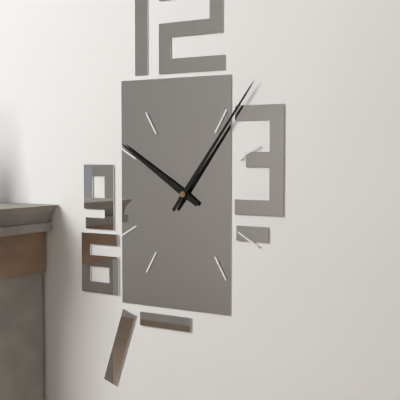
10:06
